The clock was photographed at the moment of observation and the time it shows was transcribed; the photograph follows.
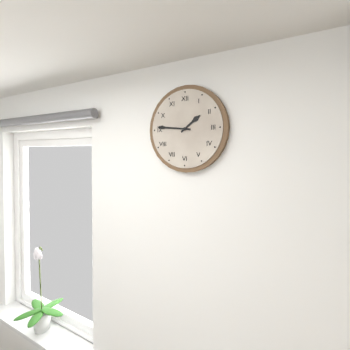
1:46
